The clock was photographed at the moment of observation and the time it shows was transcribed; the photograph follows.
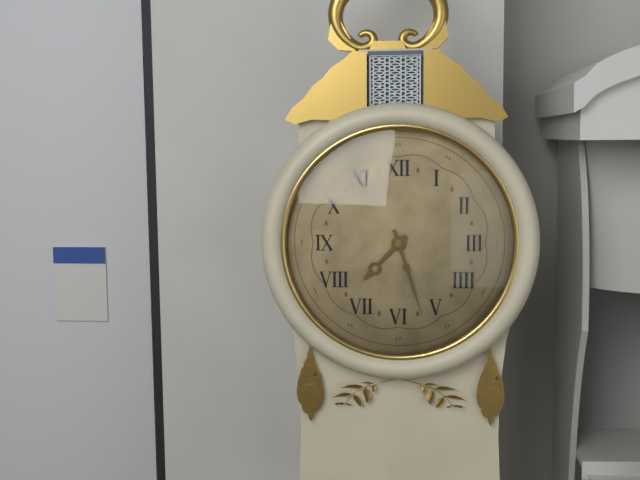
7:27
